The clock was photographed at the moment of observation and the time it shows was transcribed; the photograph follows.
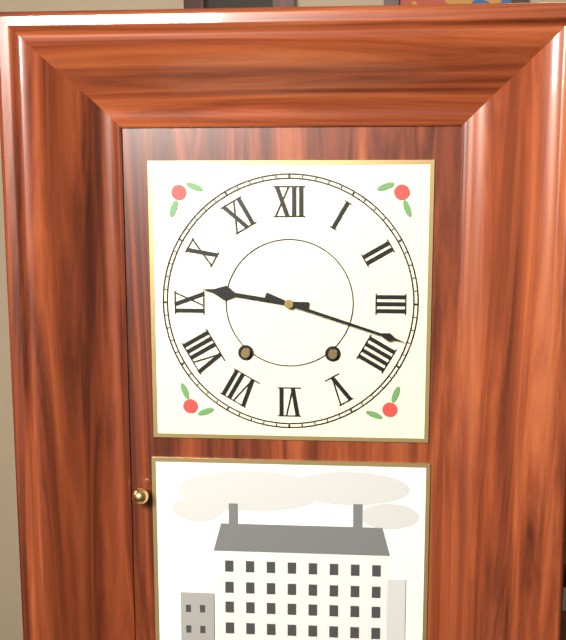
9:18
